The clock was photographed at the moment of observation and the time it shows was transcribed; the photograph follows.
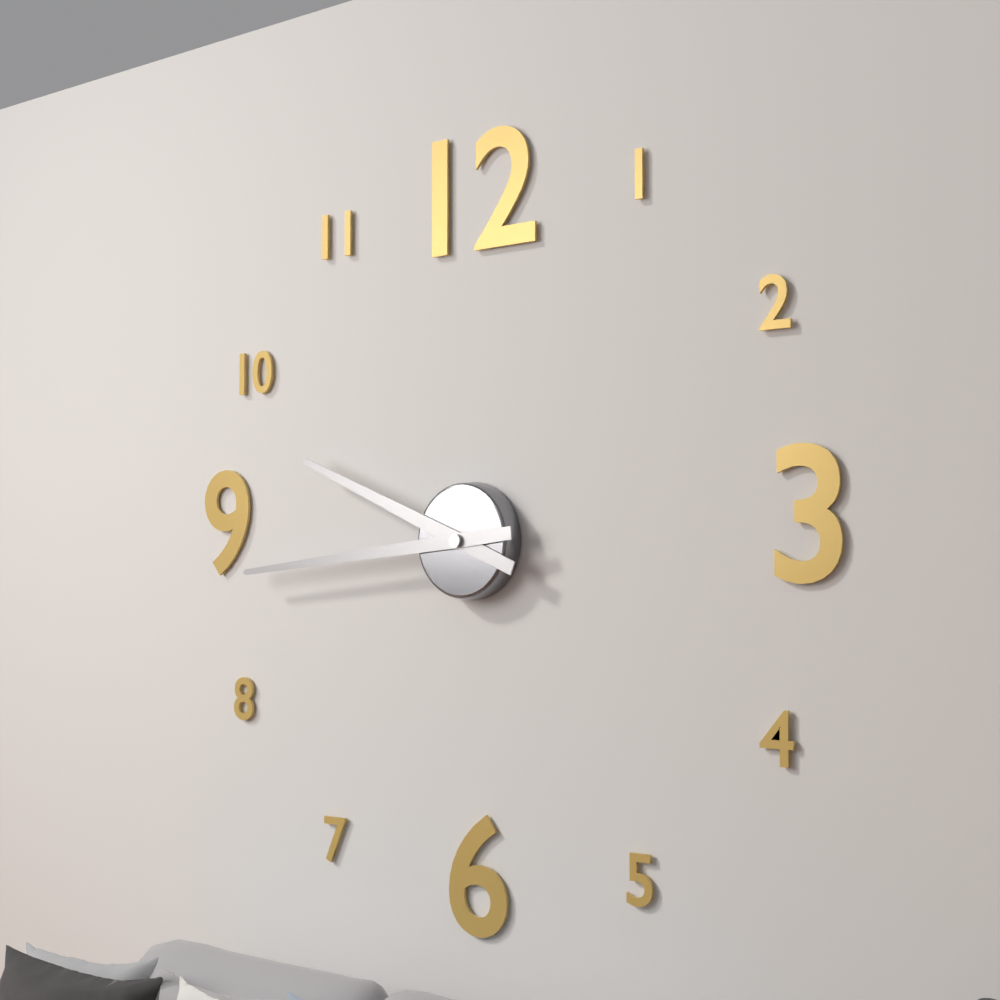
9:44
